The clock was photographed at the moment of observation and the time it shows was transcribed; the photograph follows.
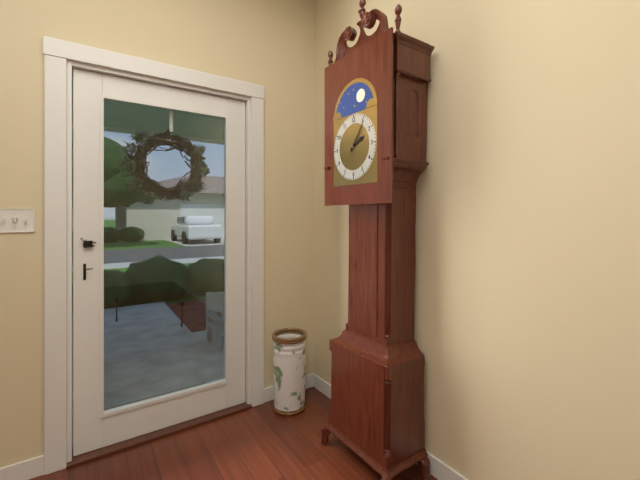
2:06
